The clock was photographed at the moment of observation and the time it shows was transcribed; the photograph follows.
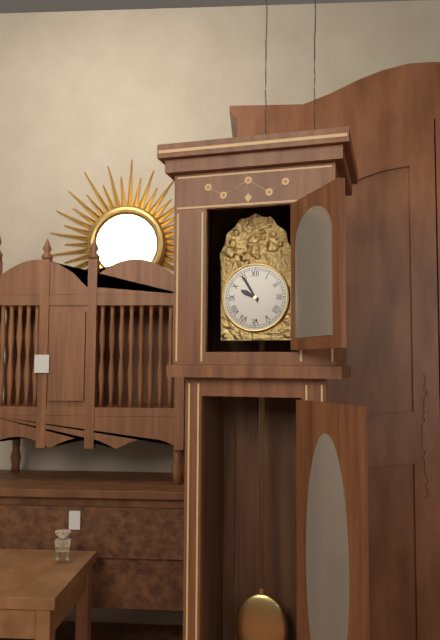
9:55
